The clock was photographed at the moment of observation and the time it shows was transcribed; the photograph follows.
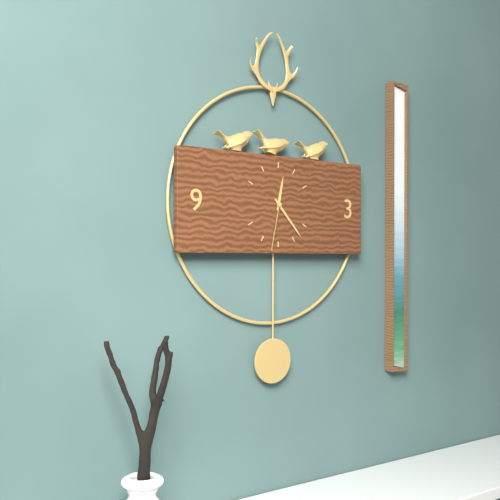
12:23:32
